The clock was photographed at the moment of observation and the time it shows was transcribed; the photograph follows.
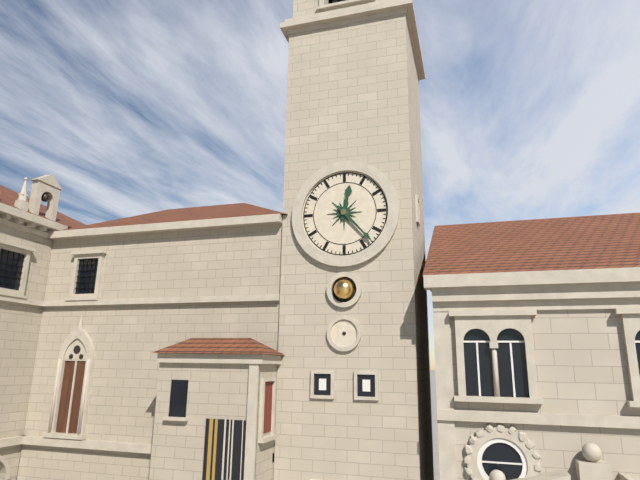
12:23
